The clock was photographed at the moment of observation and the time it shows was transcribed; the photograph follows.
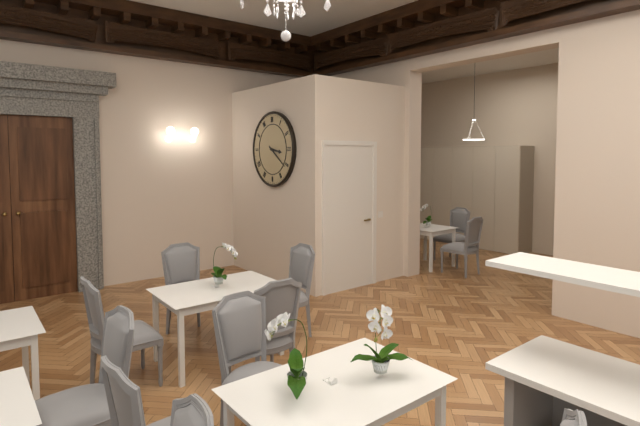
3:21
